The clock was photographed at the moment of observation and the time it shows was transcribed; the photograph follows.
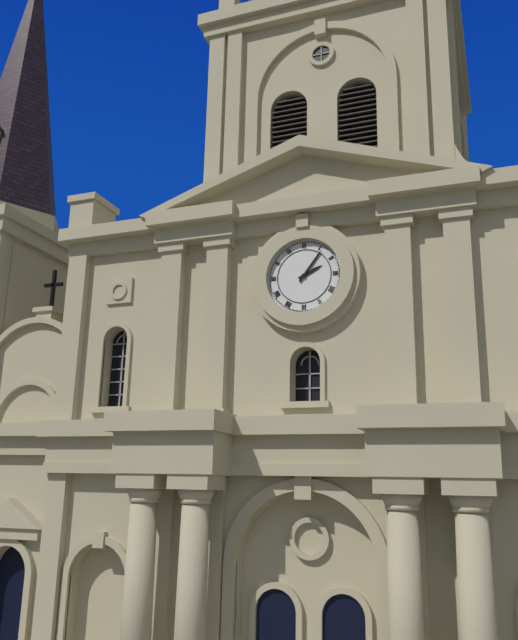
2:06
